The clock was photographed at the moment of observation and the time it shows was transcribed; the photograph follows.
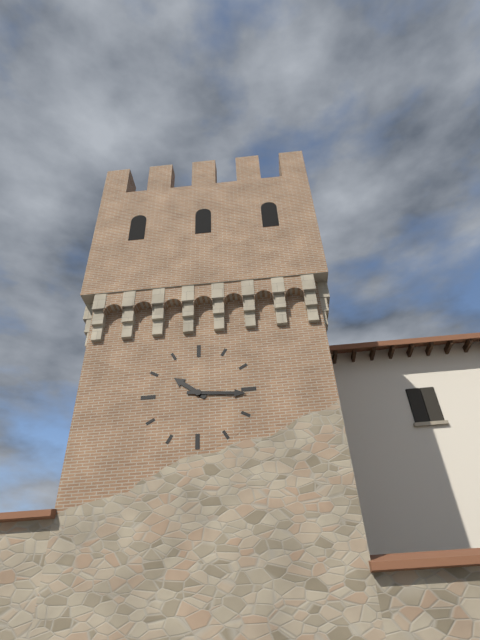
10:16
